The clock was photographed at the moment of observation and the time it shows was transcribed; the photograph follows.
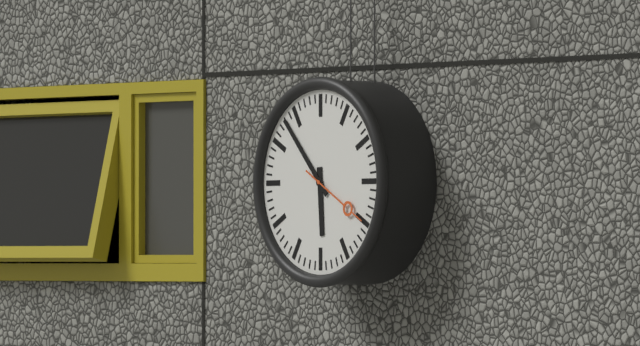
5:53:20
